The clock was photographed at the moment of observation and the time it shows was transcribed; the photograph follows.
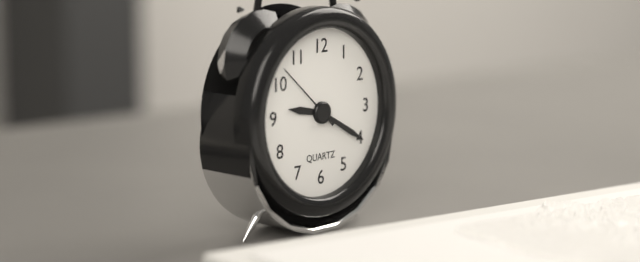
9:20:52
